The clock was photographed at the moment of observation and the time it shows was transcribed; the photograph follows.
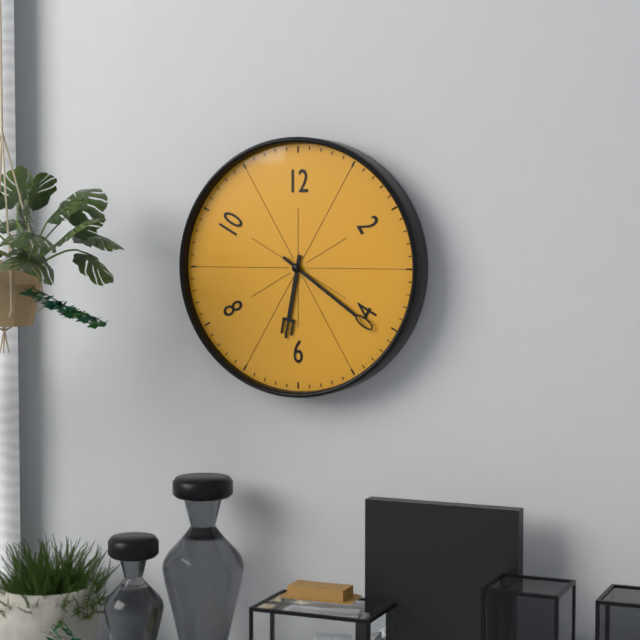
6:21
